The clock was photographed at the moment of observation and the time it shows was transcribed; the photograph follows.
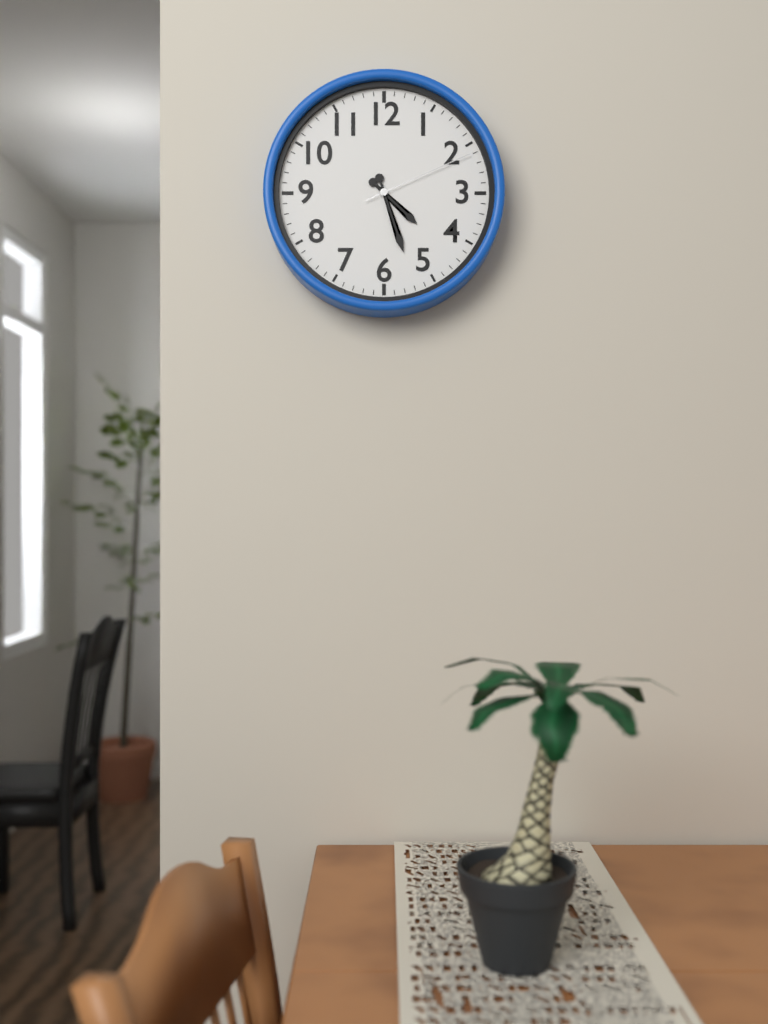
4:27:11
